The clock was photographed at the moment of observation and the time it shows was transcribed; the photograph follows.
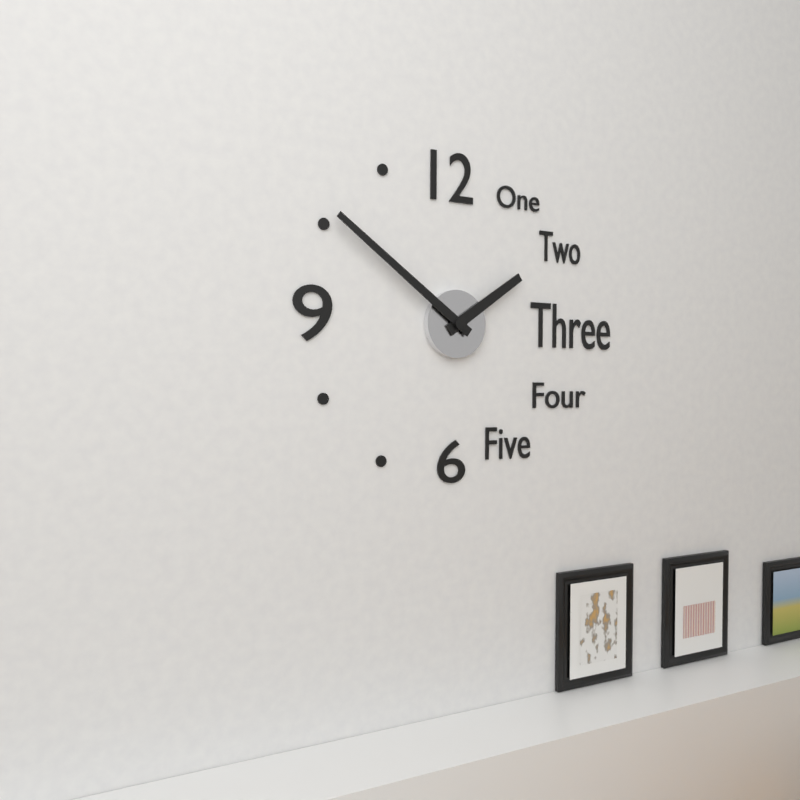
1:51
